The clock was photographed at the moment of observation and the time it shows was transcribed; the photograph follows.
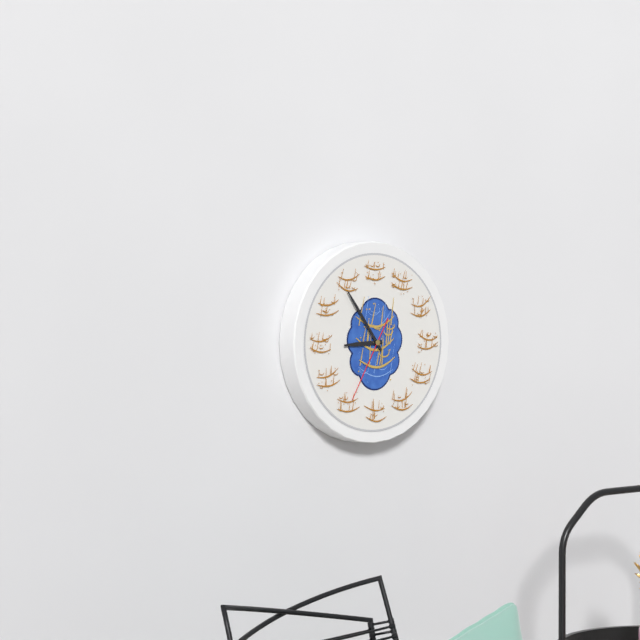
8:54:35
